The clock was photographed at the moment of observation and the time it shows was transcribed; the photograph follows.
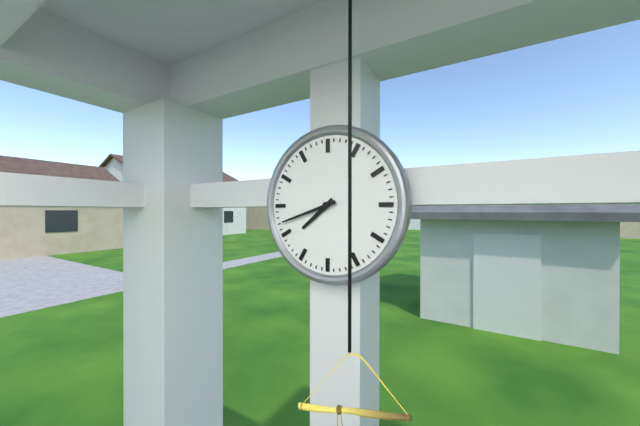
7:42
